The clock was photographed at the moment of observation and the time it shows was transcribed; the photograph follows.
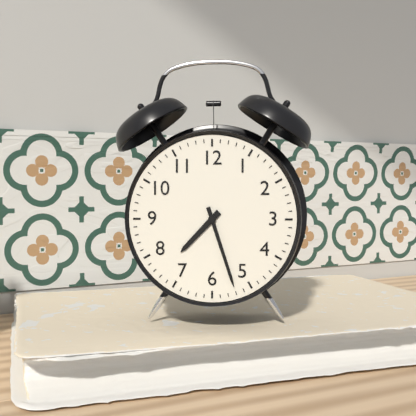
7:27
